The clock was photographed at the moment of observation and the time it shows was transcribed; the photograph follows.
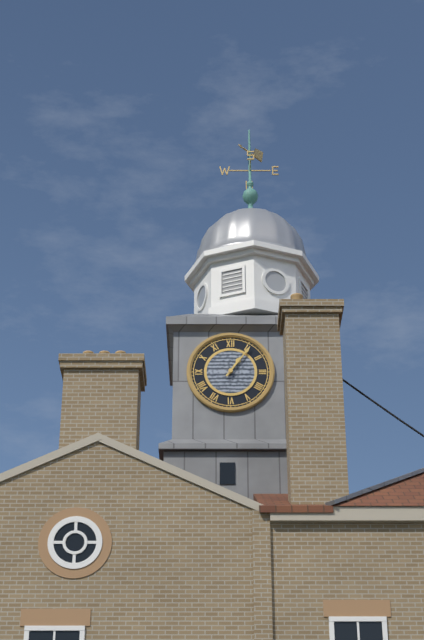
1:06
